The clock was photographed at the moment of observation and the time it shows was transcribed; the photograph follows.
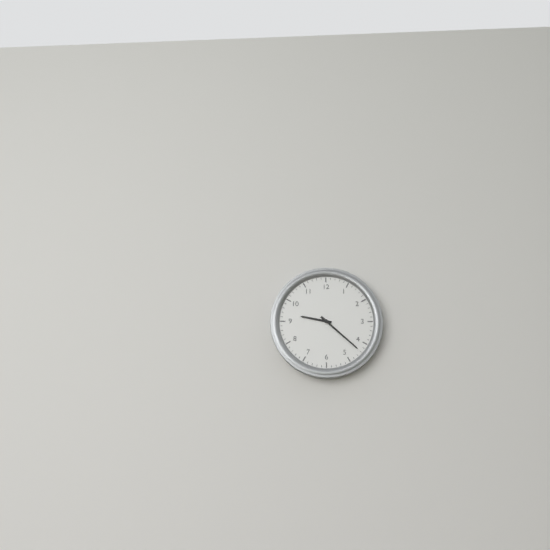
9:22
